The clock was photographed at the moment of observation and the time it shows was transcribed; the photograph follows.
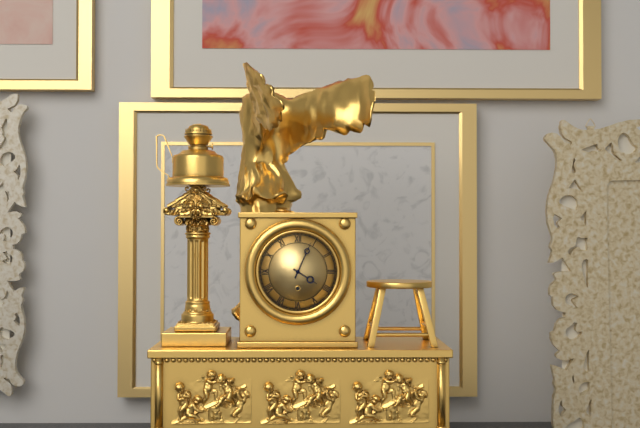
4:04
